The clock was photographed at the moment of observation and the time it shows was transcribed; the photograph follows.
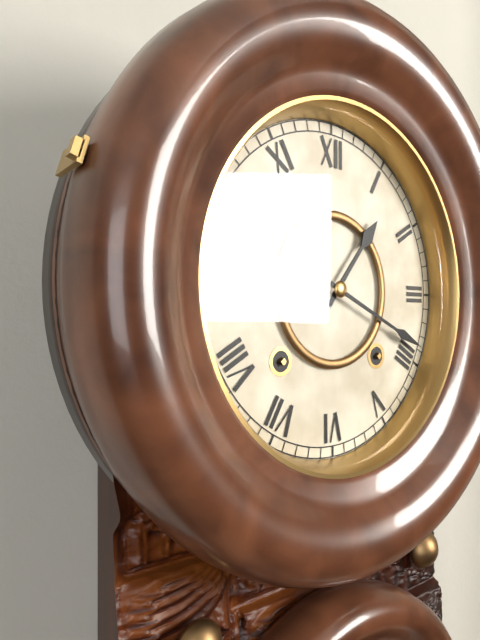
1:19
